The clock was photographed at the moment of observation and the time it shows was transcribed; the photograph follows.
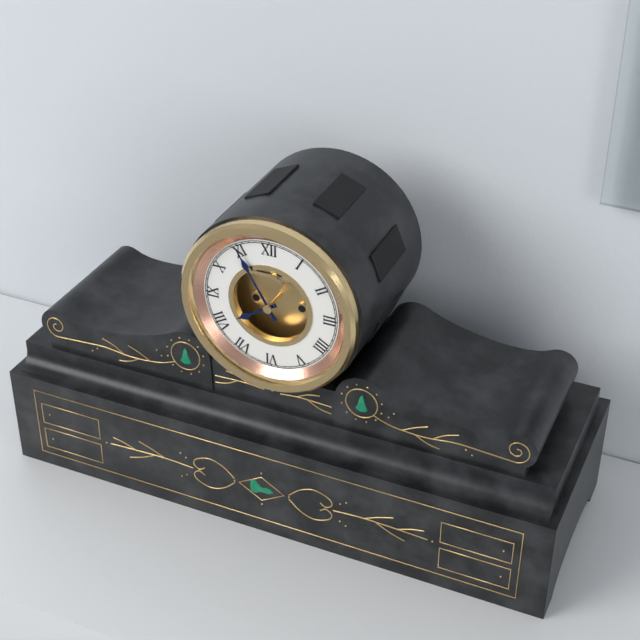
7:55
